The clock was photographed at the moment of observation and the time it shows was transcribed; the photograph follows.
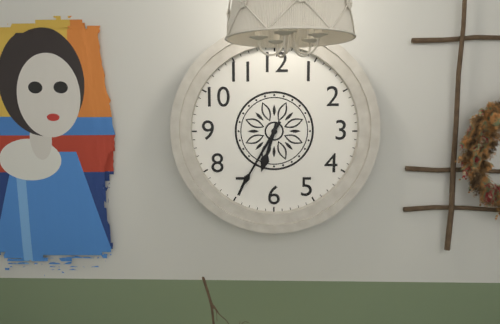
6:35
